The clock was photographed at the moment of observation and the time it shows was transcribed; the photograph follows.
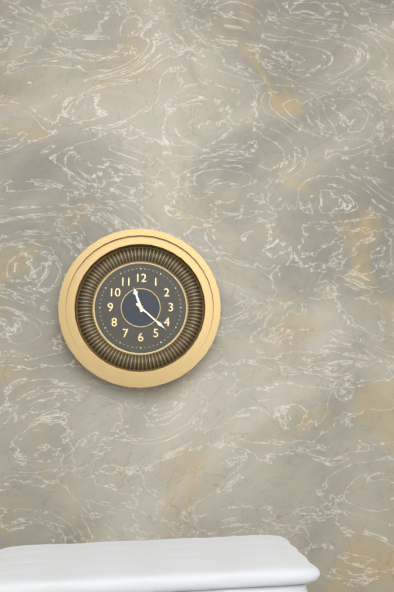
11:22
